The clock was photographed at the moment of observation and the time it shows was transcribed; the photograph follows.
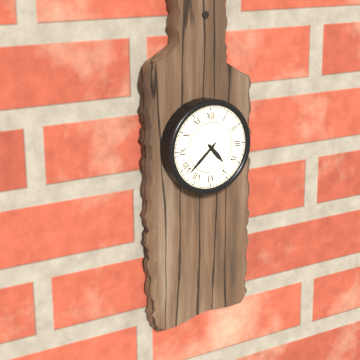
4:38
